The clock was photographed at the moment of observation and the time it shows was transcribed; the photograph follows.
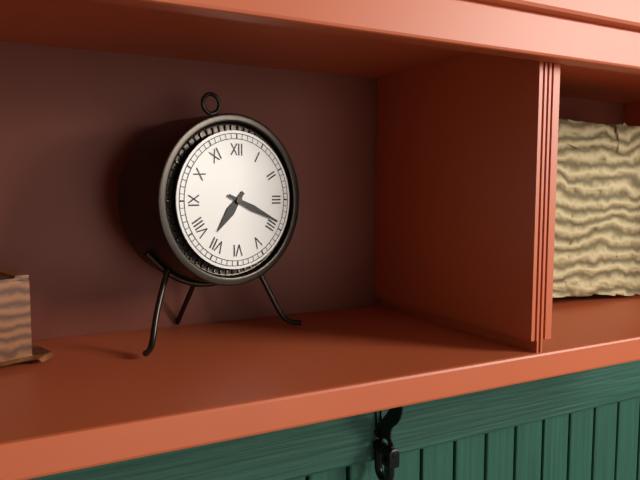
7:19
